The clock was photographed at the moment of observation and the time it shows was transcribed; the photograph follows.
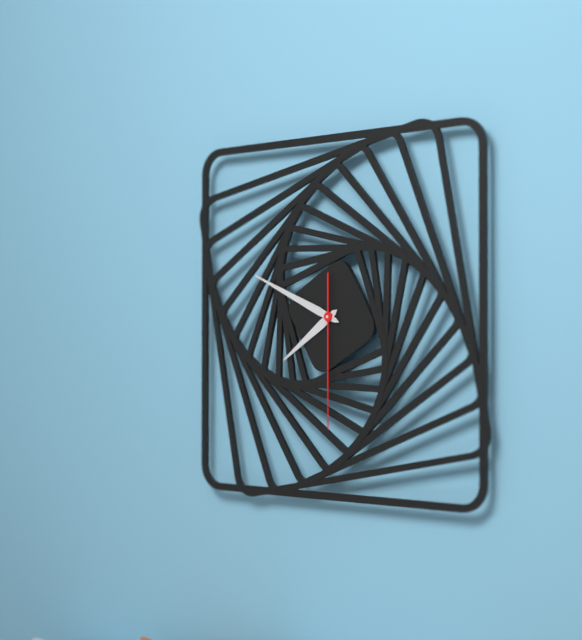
7:49:30
